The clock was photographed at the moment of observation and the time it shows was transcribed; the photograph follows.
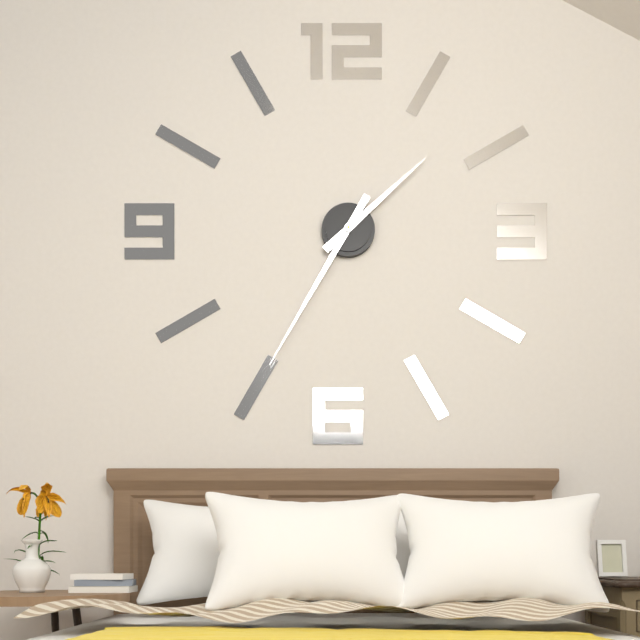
1:35
